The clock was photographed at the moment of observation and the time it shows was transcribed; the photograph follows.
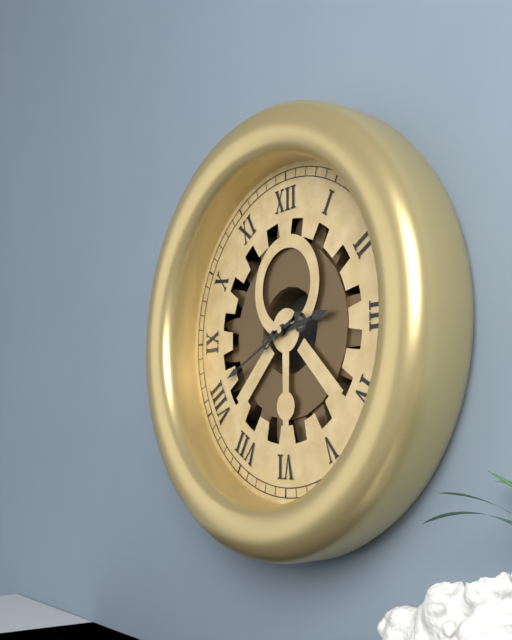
2:41
